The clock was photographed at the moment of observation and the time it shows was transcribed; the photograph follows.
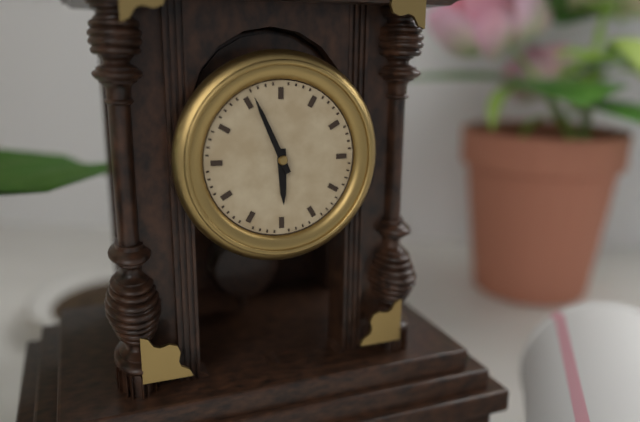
5:56
